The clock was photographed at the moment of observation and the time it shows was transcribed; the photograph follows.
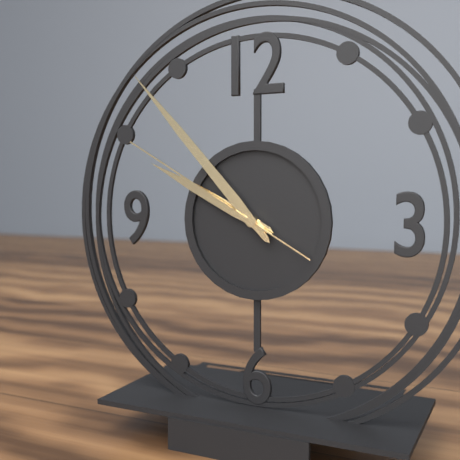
9:53:50
